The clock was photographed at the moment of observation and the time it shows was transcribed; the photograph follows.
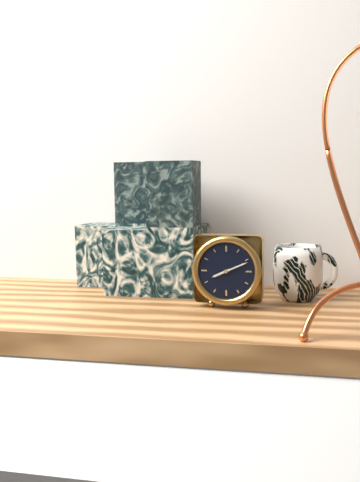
8:11
